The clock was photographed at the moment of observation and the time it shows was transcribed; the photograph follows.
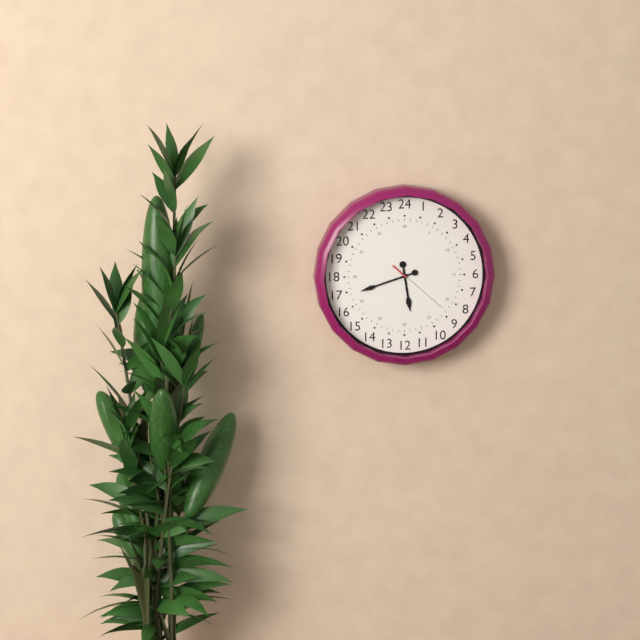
5:42:22
